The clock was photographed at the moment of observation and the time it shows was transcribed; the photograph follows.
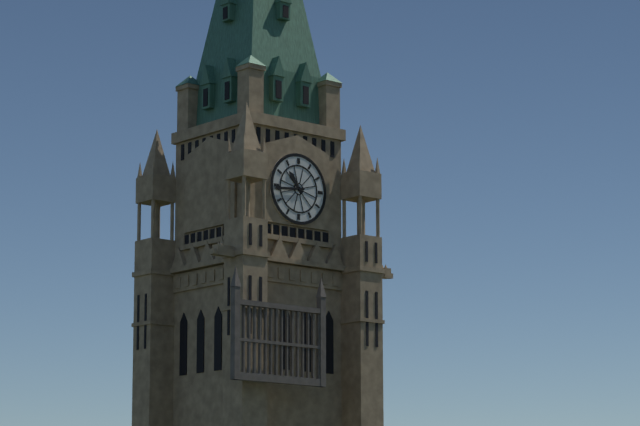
10:44
